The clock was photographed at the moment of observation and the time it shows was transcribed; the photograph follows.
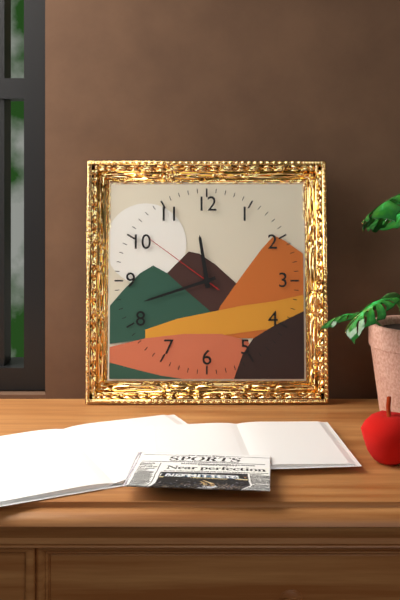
11:42:51
